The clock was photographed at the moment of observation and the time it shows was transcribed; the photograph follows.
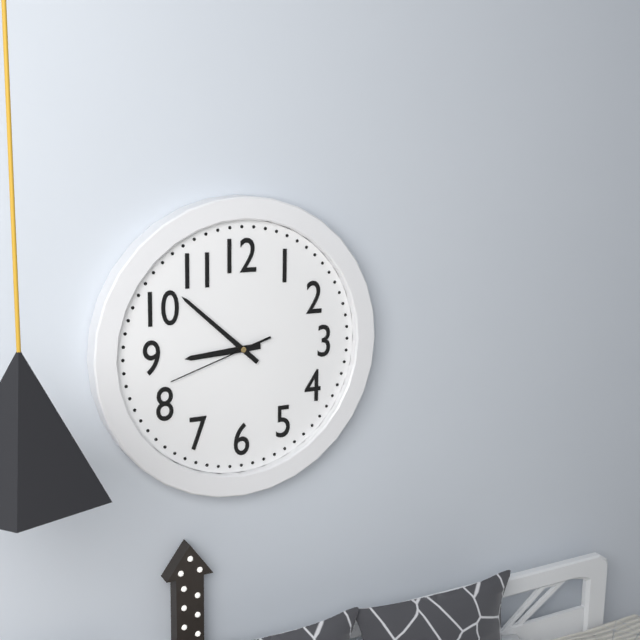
8:52:42
